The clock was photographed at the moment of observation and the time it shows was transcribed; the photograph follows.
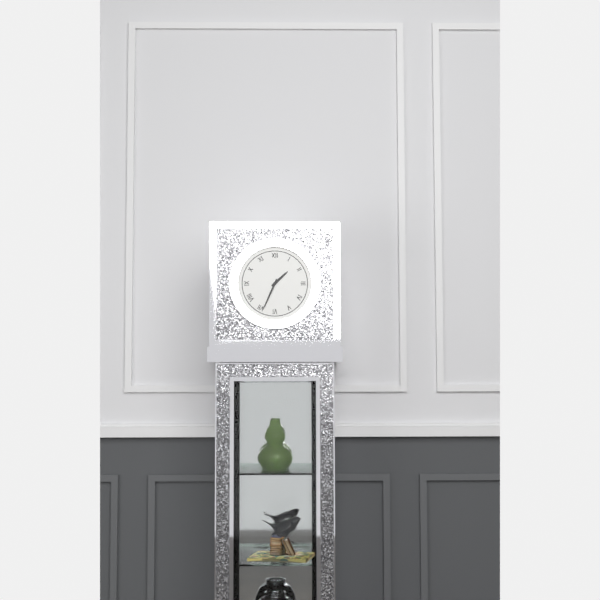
1:34
